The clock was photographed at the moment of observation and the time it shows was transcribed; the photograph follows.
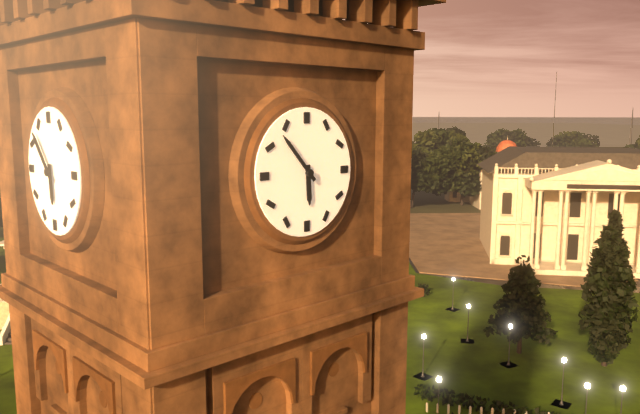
5:53
